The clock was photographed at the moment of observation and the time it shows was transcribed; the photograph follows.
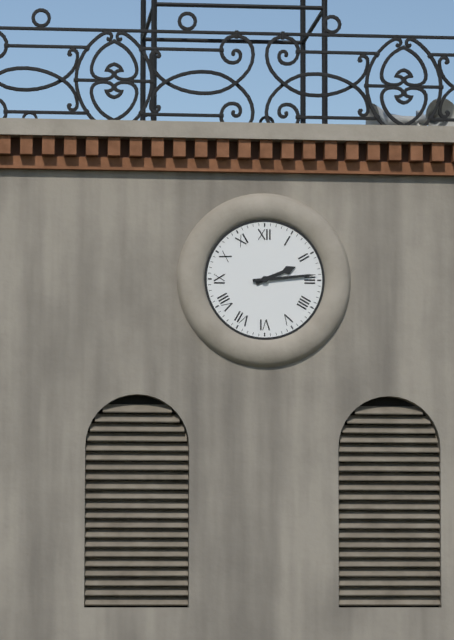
2:14
